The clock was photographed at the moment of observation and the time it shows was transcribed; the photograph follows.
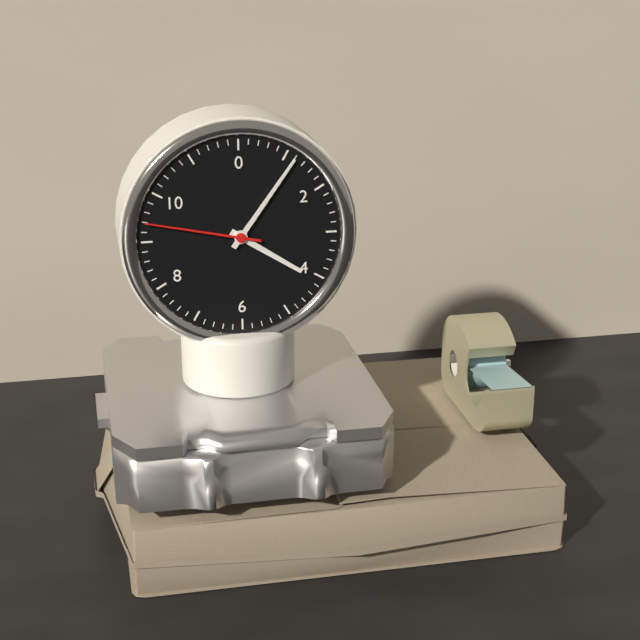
4:06:47
